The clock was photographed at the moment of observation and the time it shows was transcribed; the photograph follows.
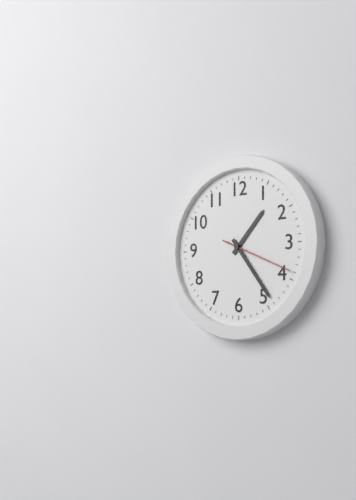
1:24:19
